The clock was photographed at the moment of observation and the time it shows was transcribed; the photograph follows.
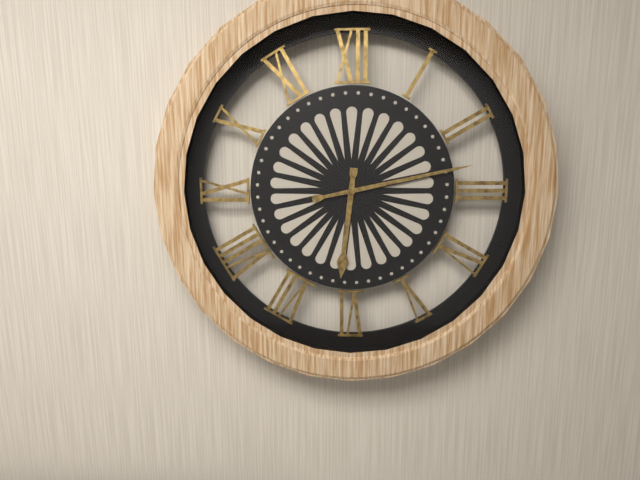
6:13
